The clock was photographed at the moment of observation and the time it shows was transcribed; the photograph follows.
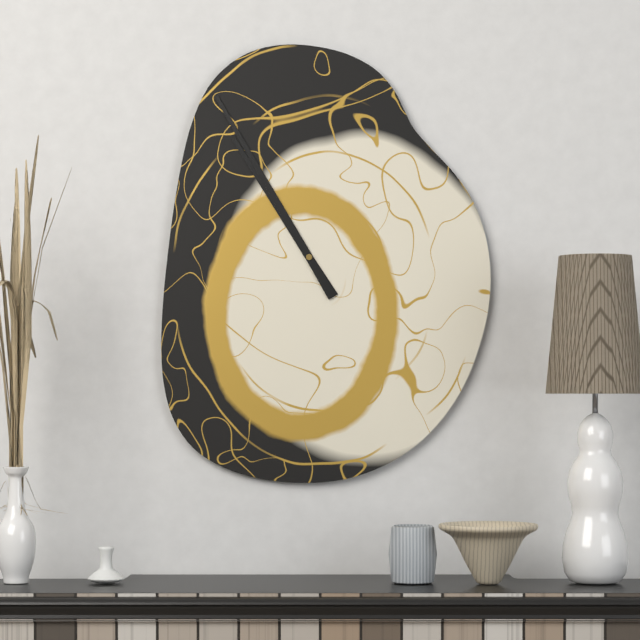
10:55
